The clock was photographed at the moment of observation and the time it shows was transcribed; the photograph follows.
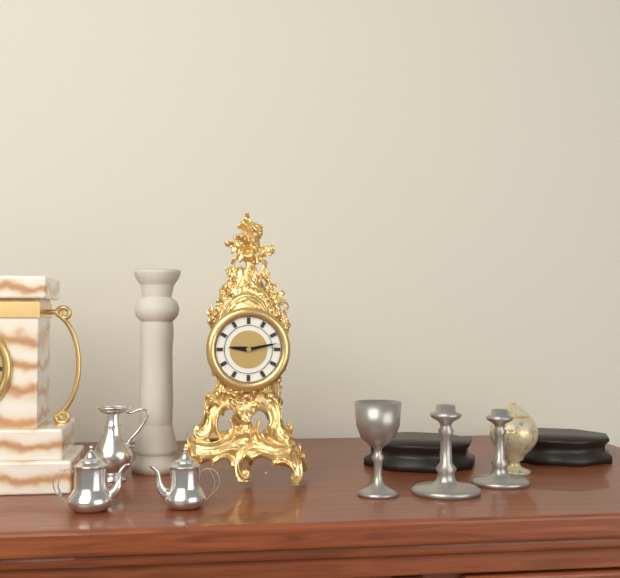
9:13
